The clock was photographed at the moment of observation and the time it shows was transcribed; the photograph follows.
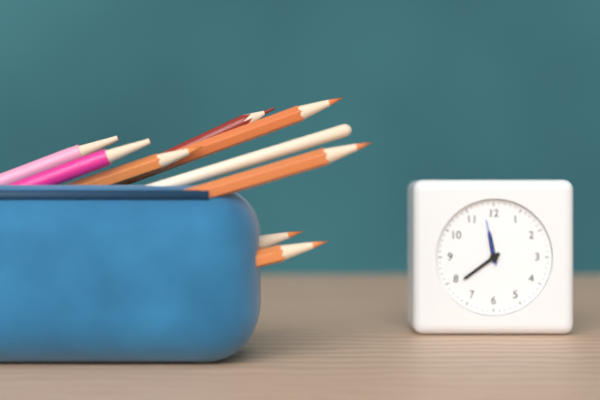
11:39
